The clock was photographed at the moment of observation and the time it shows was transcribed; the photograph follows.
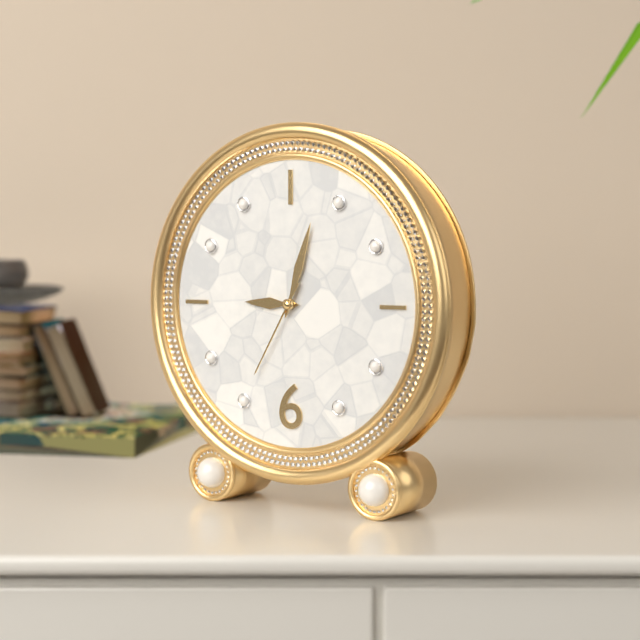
9:03:35
